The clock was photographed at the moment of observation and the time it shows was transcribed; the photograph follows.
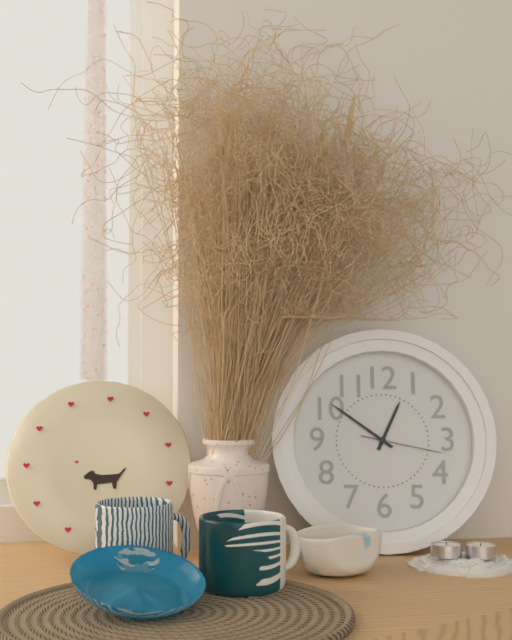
12:51:17
